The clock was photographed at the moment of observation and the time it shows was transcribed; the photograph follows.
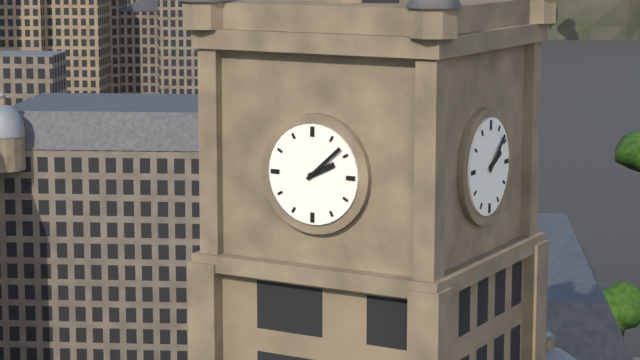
2:08
